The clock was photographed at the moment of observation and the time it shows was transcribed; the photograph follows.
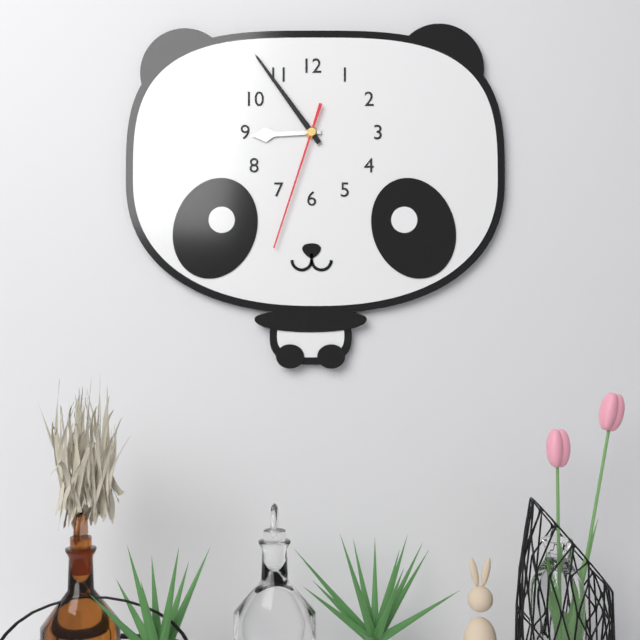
8:54:33
